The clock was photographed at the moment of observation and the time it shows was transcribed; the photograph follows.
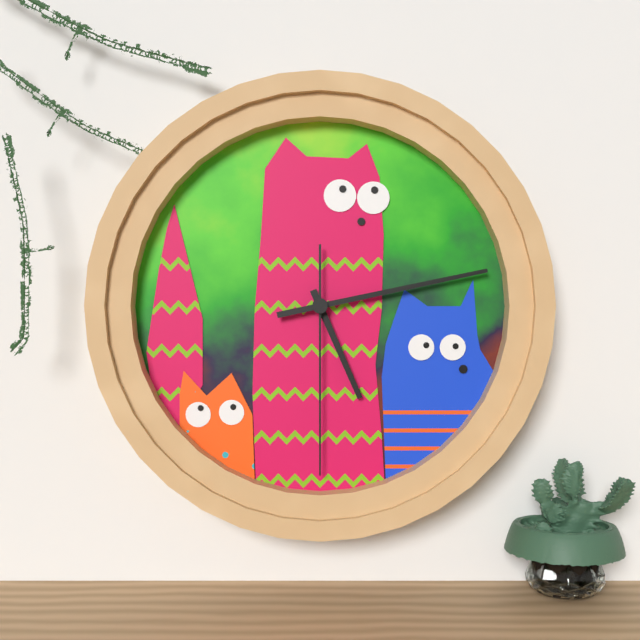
5:13:30
